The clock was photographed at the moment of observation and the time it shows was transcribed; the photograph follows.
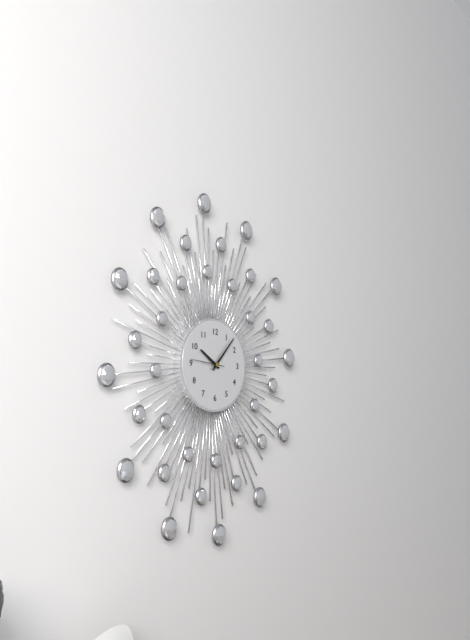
10:07
